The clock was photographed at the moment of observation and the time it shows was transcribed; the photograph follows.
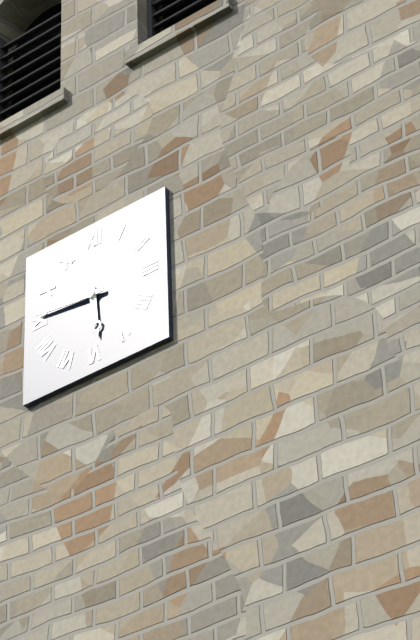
5:46
